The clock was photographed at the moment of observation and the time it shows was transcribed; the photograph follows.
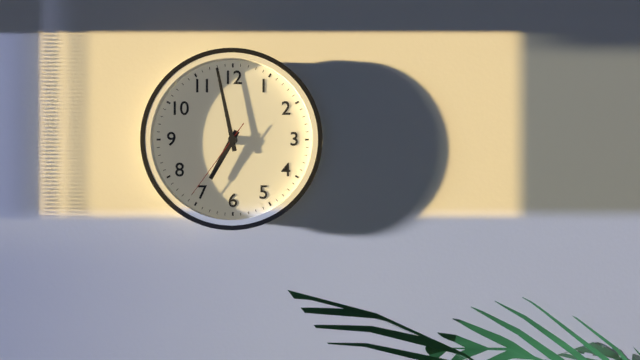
6:58:36
